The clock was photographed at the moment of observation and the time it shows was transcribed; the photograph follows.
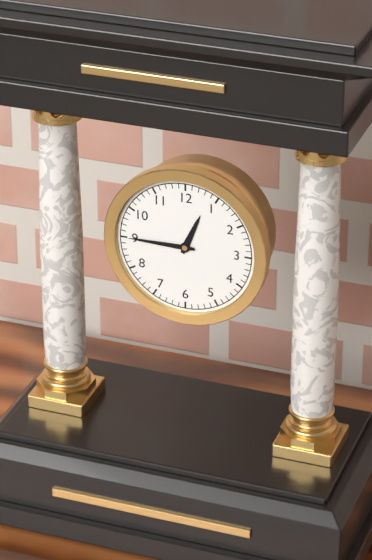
12:45
